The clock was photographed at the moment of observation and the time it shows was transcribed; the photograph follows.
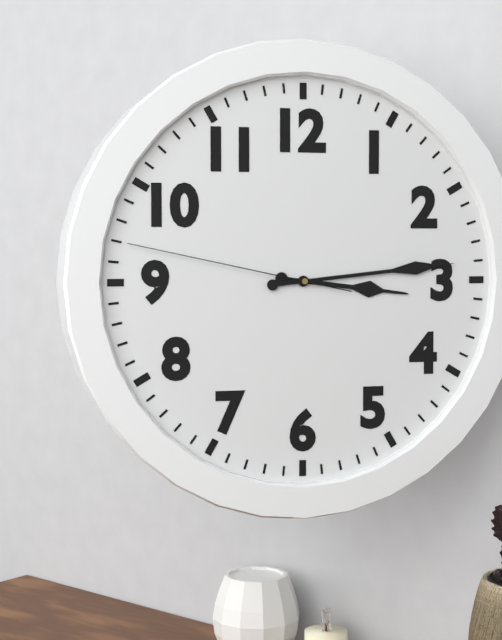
3:14:47
